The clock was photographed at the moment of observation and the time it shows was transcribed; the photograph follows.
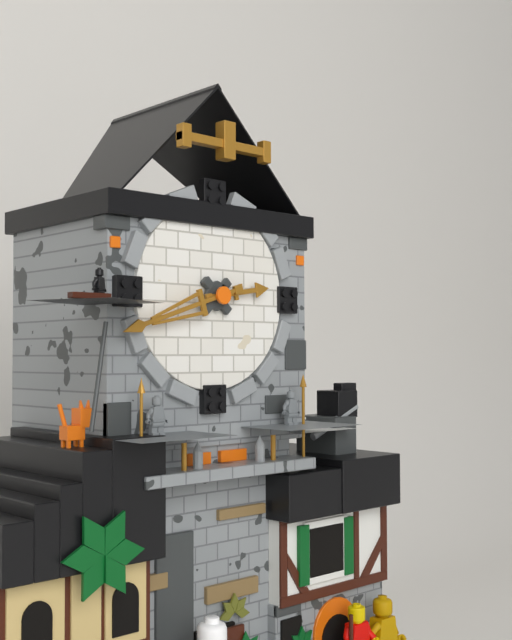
2:42
